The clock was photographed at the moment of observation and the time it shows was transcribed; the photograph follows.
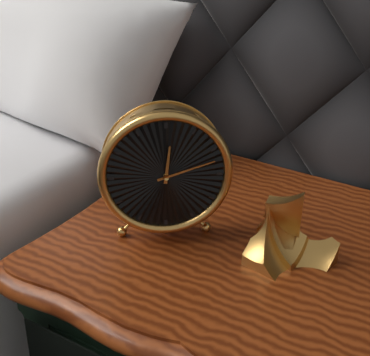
12:12
